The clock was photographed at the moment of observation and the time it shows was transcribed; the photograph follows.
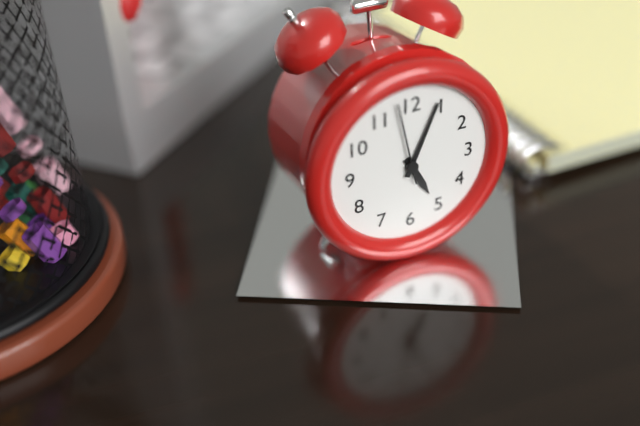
5:04:58
